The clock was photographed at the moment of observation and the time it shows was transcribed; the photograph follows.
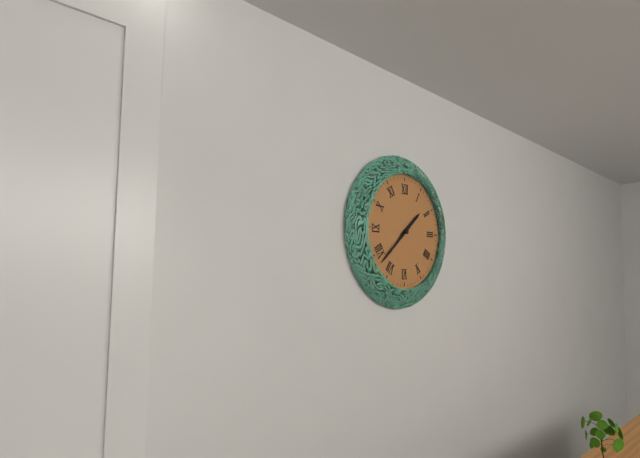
1:38
